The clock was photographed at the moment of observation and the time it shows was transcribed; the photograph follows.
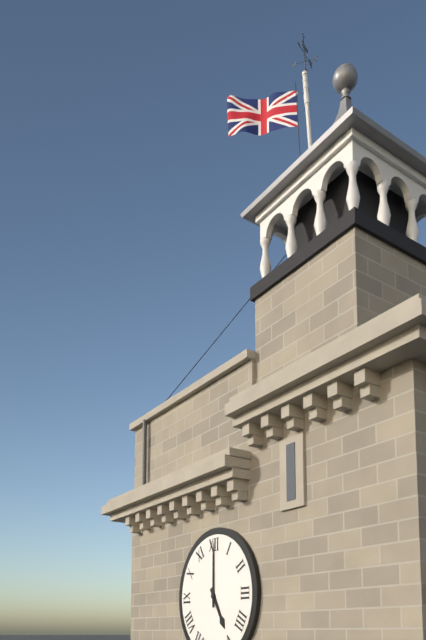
5:00
